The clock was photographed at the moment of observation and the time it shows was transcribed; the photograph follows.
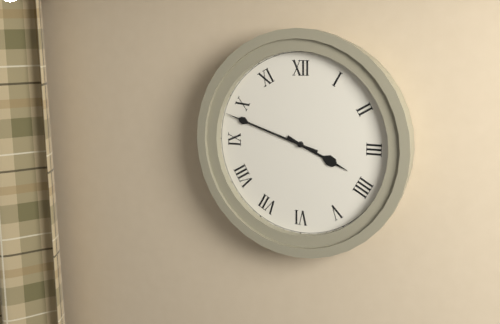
3:48
